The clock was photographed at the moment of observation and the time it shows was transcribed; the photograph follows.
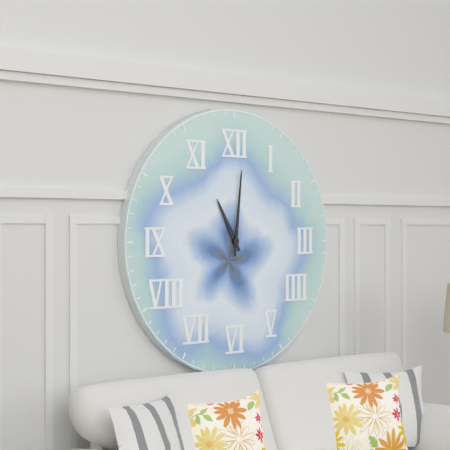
11:01
